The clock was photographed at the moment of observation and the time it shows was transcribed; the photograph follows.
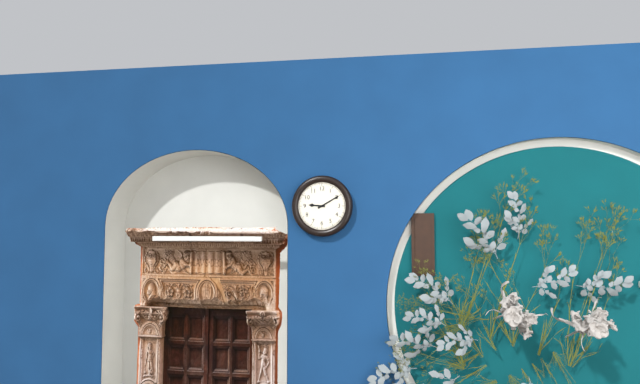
9:10
